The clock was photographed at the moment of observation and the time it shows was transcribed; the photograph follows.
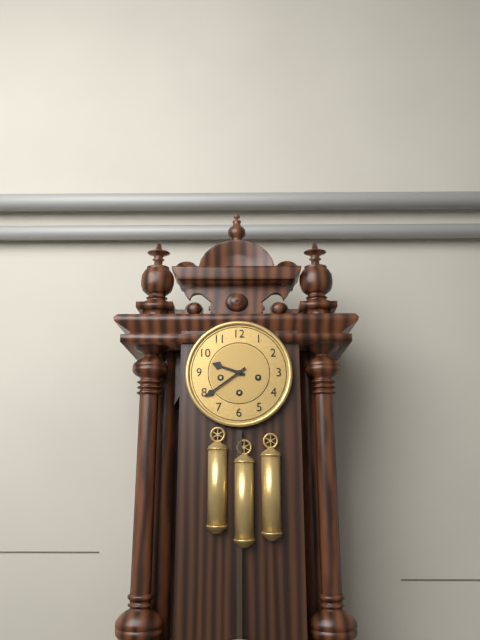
9:39
